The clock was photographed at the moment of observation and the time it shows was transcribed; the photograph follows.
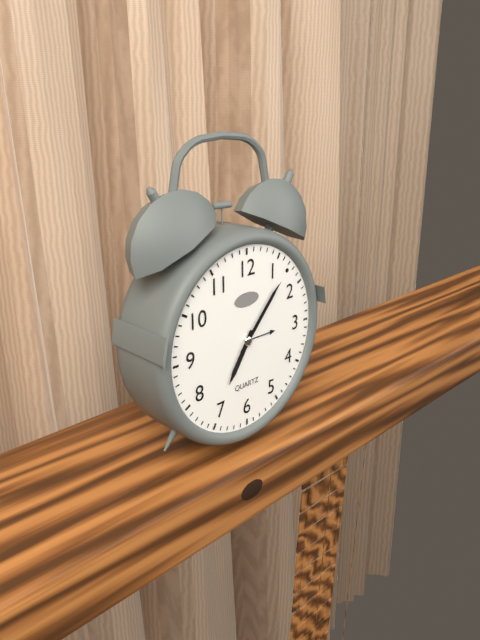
7:07:07
